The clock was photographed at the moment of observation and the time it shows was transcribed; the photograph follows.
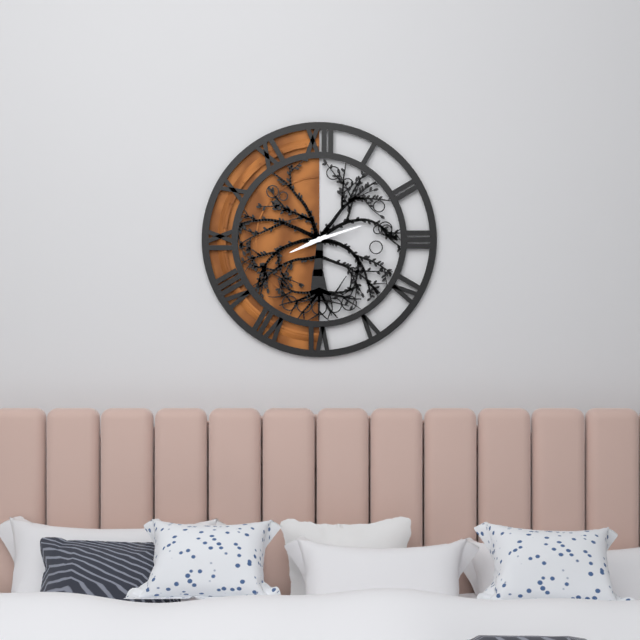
8:12
